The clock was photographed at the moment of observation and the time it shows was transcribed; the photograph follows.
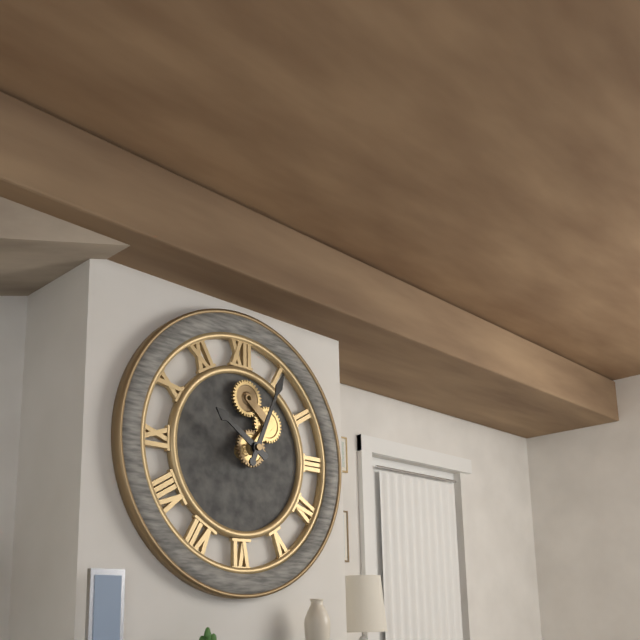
10:04
